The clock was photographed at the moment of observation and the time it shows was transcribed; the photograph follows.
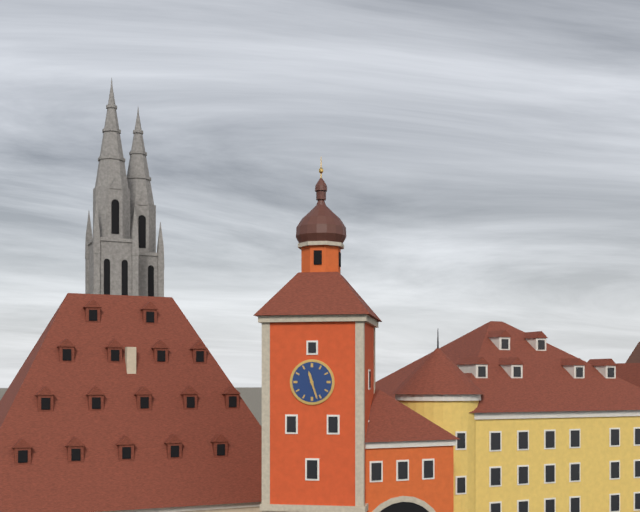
11:27
